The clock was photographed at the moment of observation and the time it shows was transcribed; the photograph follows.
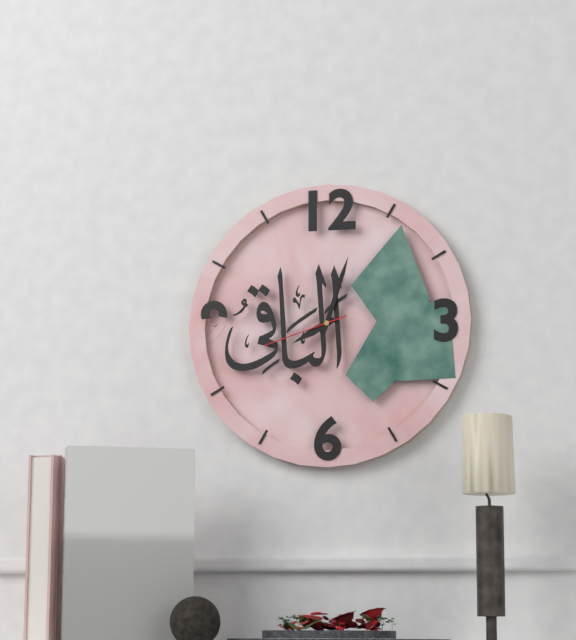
8:03:42
